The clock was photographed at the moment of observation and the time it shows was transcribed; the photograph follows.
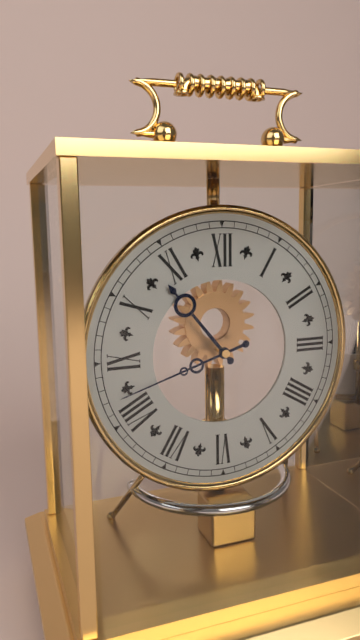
10:42
